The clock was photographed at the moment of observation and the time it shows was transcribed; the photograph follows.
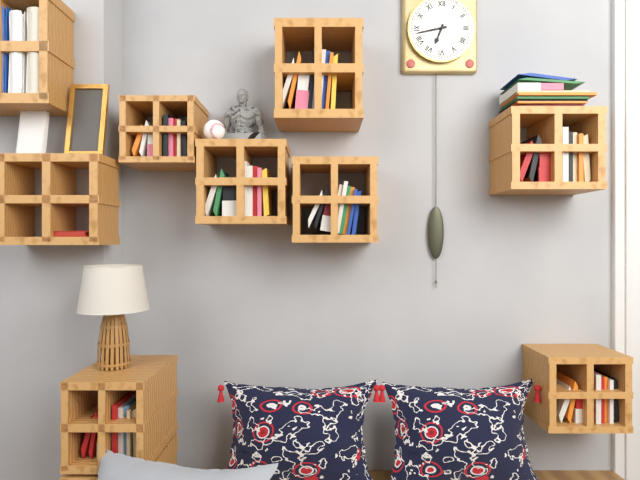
6:43
